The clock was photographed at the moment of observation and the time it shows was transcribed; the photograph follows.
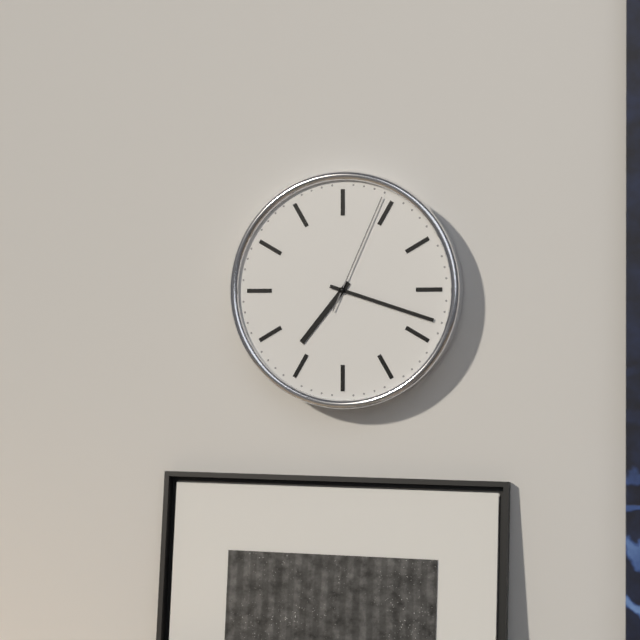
7:18:04
